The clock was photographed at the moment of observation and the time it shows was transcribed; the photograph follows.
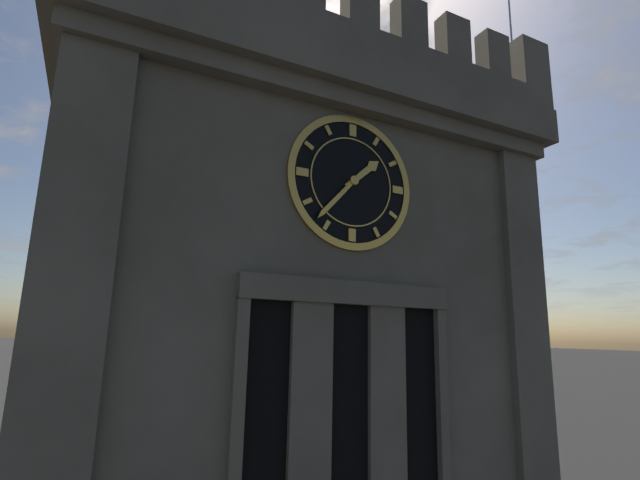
1:37
